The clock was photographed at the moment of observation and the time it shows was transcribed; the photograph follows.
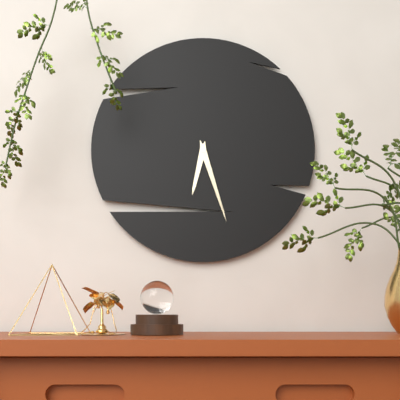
6:27
